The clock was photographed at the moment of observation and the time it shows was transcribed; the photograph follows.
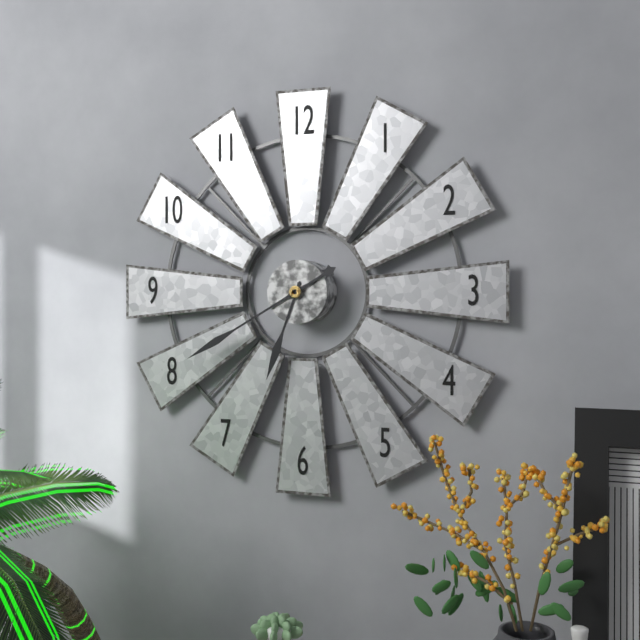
6:40
